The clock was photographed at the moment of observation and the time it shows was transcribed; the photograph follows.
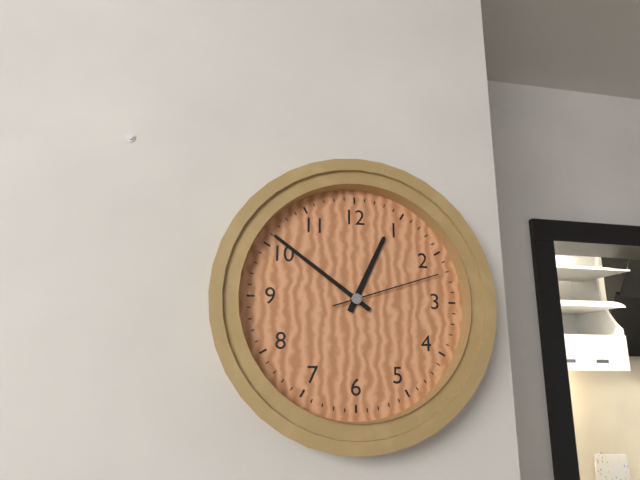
12:51:12
